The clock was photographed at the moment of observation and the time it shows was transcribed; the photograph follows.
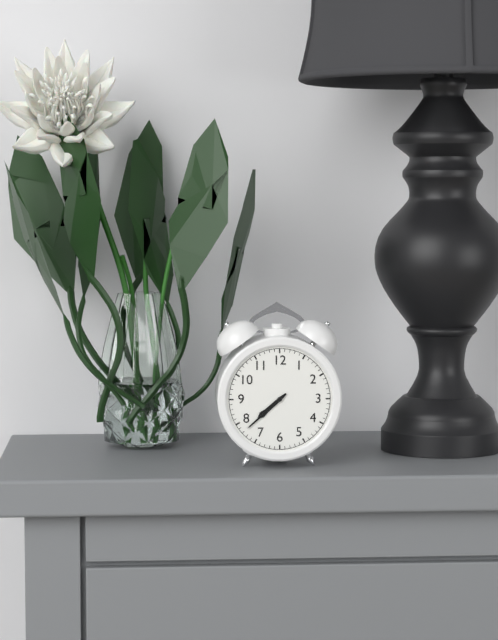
7:38
